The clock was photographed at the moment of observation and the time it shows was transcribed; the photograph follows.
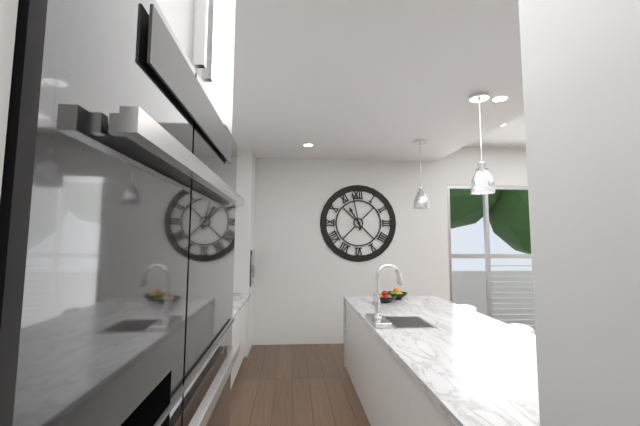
10:58
